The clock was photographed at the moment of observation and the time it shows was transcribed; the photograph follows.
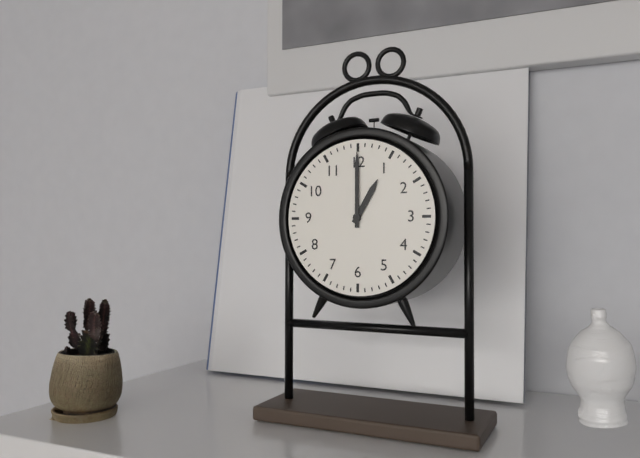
1:00
